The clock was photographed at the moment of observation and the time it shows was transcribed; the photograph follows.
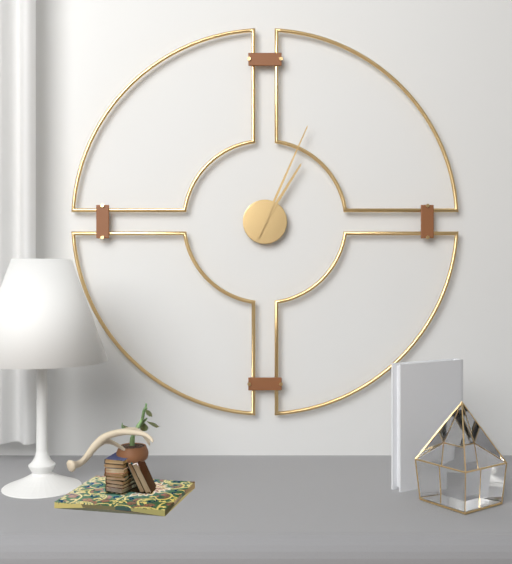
1:04
